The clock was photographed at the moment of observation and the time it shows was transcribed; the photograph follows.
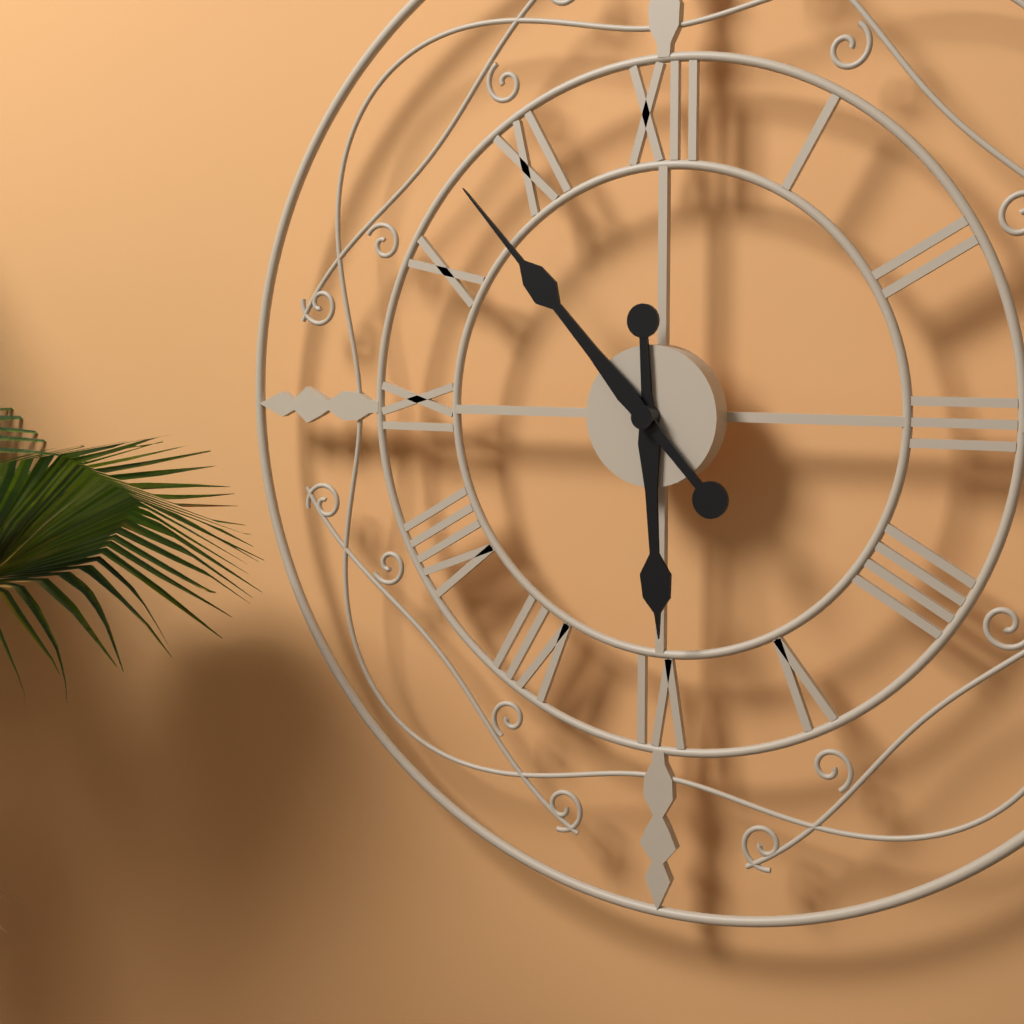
5:53
